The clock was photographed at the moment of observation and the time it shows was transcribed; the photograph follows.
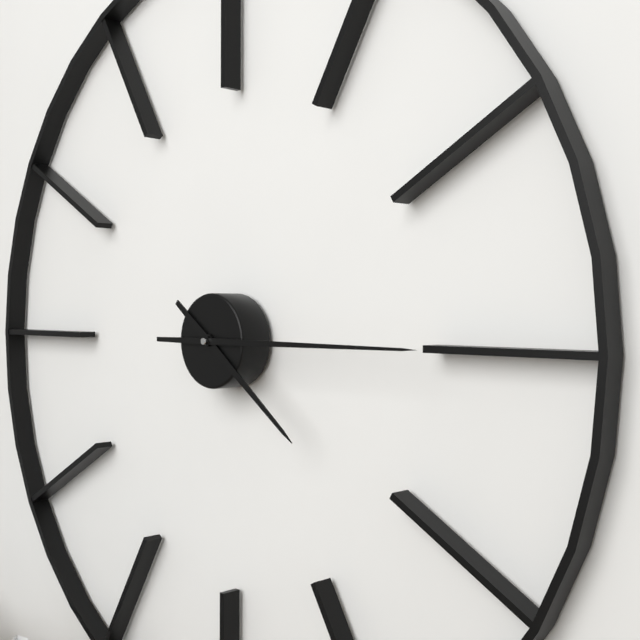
4:15
